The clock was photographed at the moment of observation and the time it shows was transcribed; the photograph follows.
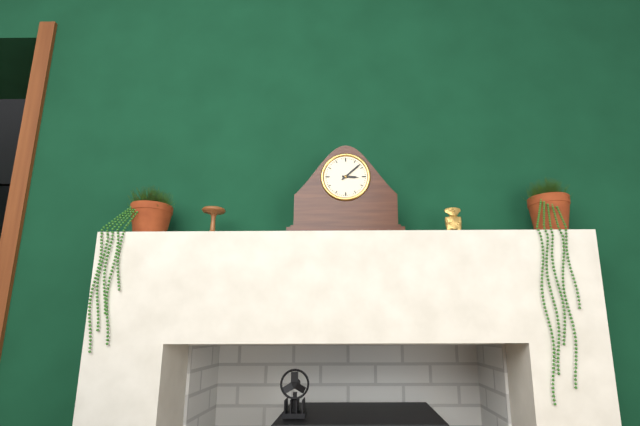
3:08
